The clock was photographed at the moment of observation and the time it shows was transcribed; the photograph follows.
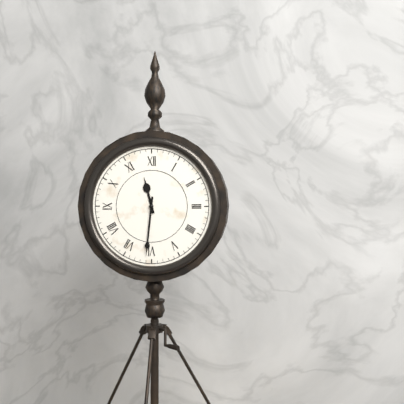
11:31
